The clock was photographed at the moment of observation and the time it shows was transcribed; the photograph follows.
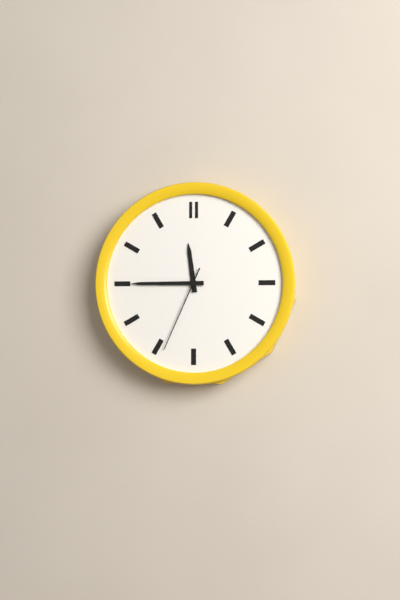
11:45:34
